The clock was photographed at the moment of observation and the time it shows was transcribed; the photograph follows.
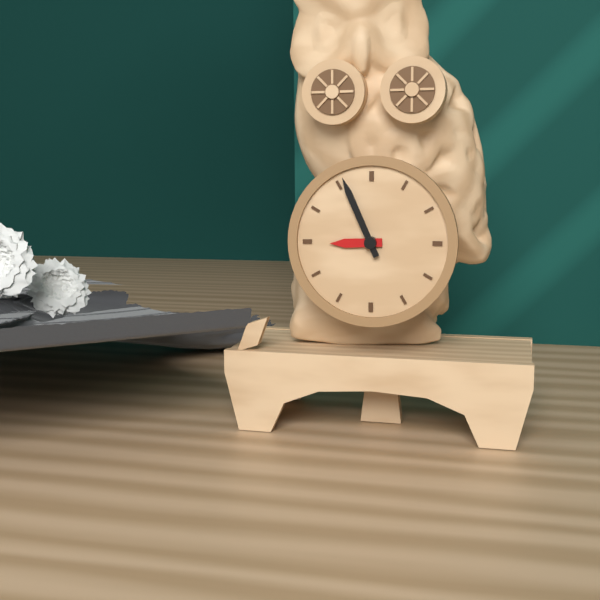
8:56
